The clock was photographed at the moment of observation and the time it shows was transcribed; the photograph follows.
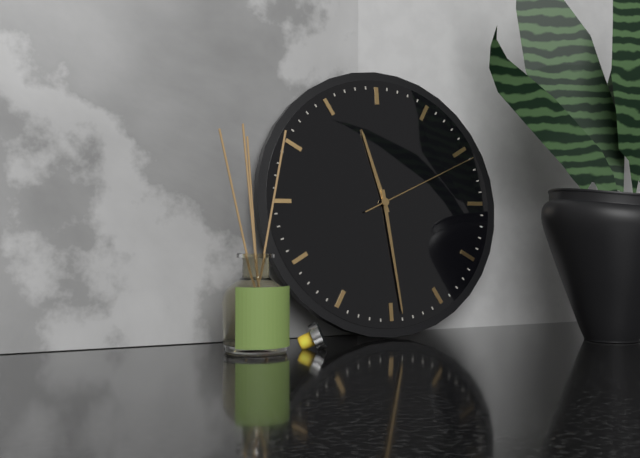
11:29:11
